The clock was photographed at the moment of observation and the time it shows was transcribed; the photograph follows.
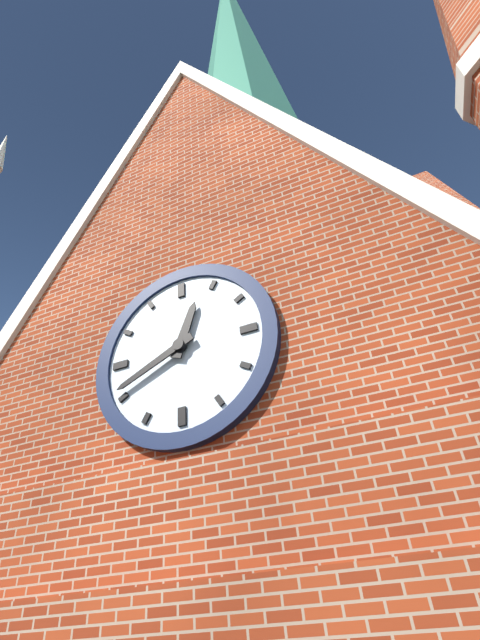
12:41
